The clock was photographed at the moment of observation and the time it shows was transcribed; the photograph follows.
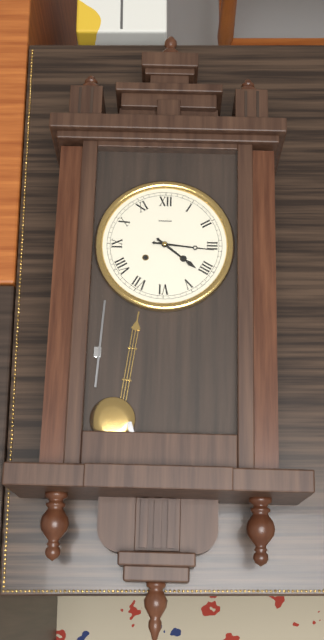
4:16
